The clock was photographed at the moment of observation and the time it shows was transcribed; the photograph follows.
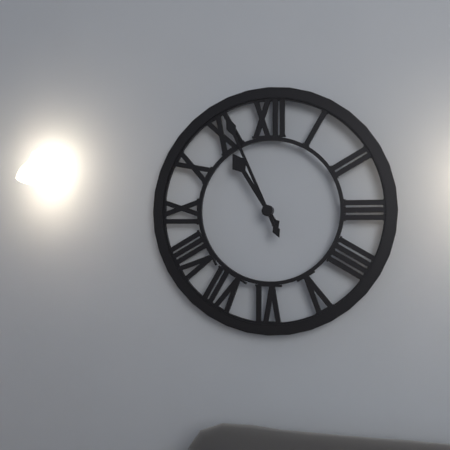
10:56
